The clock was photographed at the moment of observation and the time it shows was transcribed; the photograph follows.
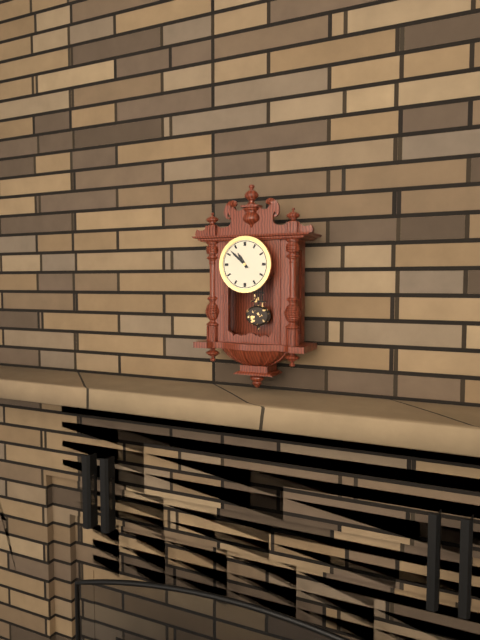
10:52
